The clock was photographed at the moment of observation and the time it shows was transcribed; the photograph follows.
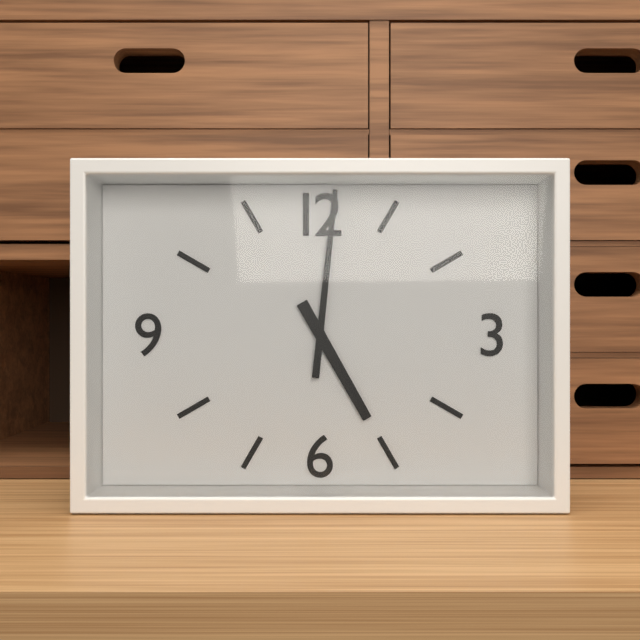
5:01
